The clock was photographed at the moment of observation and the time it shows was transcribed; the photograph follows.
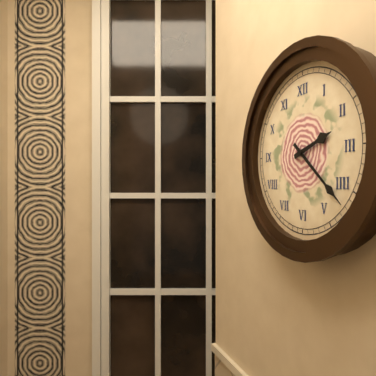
2:22
